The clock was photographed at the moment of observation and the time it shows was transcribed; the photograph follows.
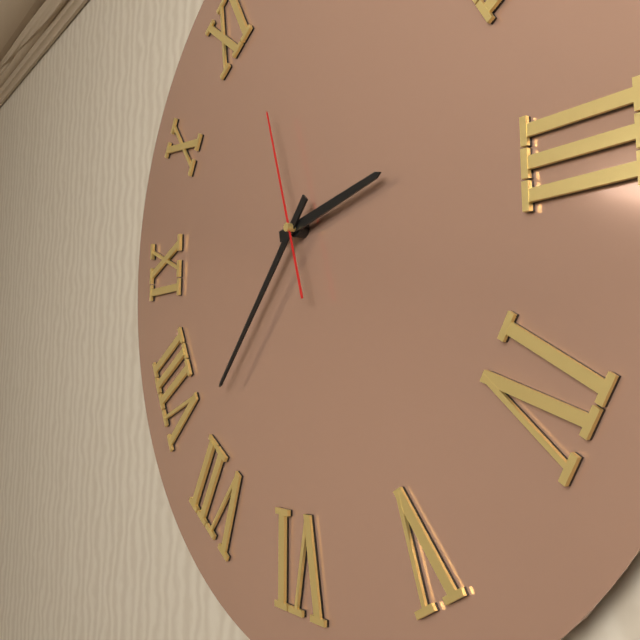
2:37:57
